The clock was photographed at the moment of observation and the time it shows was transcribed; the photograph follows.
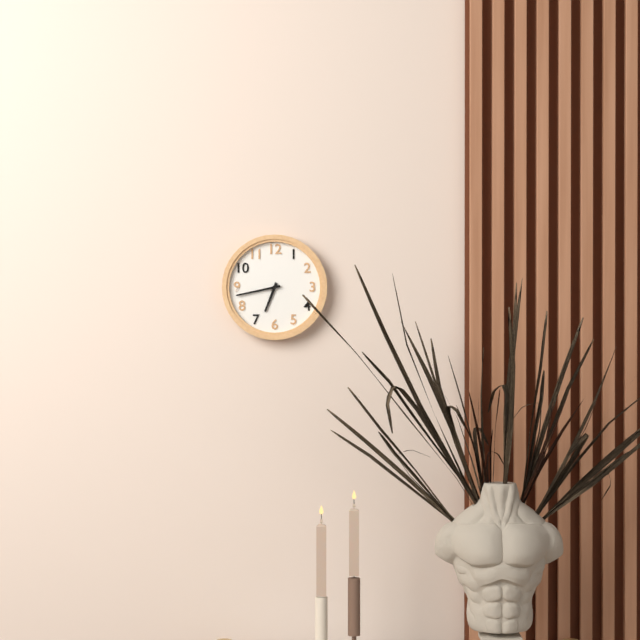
6:43
